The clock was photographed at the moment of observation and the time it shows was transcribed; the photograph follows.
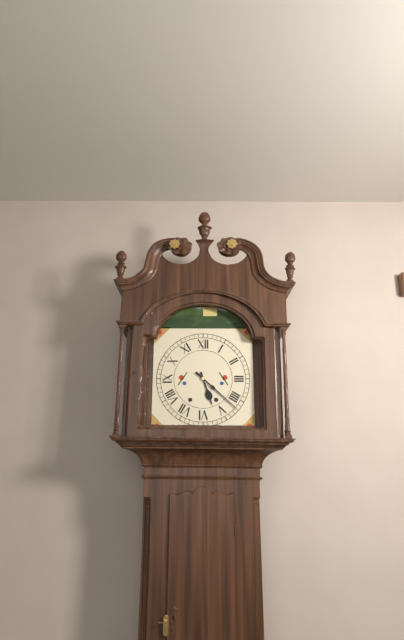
5:22
